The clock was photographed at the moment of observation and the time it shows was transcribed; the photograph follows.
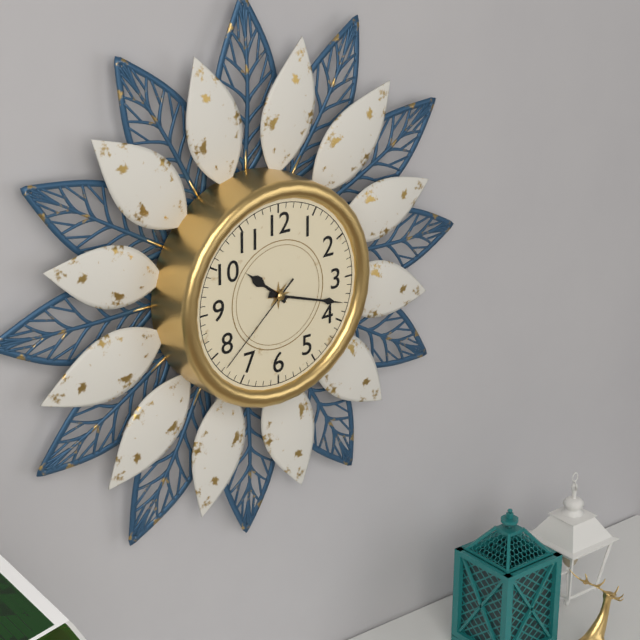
10:18:38
